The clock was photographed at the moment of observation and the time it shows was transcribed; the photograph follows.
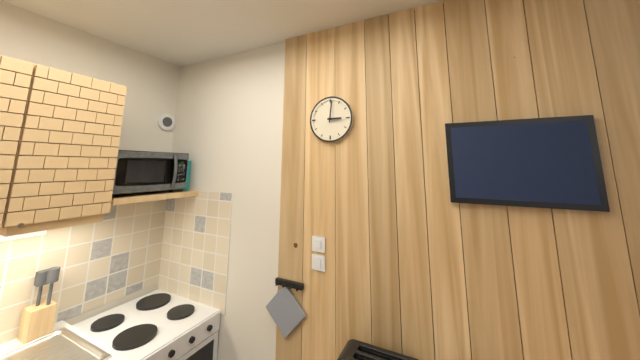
3:01
